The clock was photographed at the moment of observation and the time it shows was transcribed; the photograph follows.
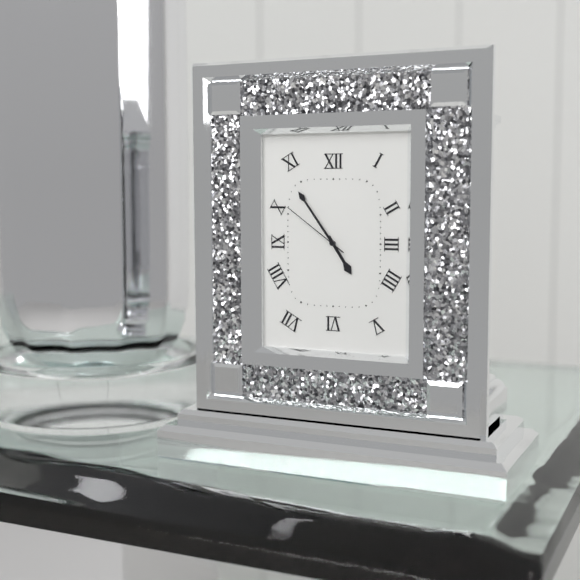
4:54:51
